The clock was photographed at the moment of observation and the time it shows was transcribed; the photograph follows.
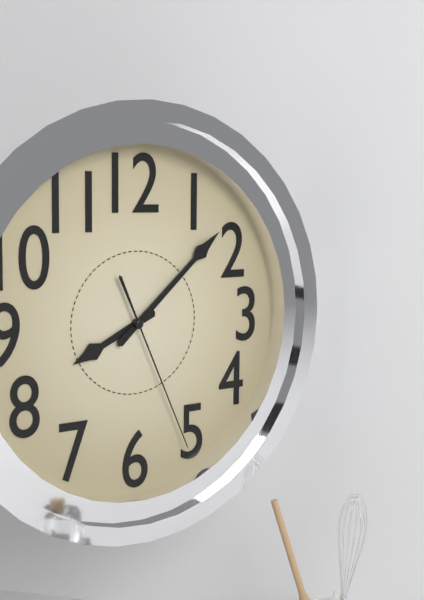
8:08:26
